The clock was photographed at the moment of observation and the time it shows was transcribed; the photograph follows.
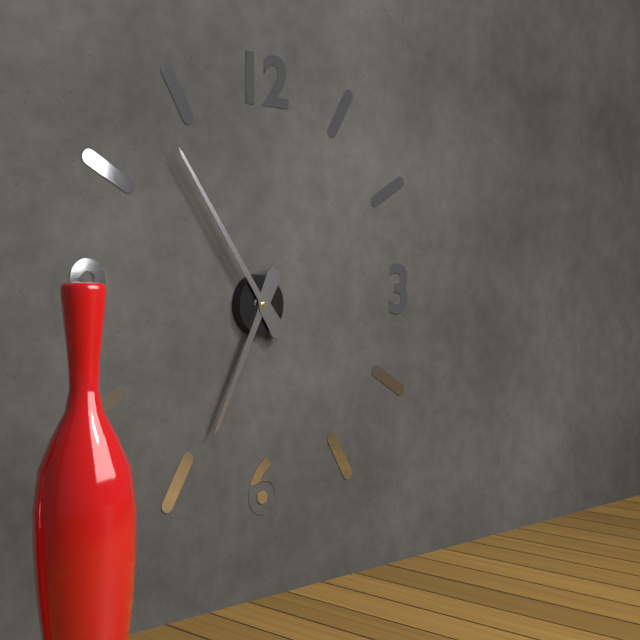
6:54
